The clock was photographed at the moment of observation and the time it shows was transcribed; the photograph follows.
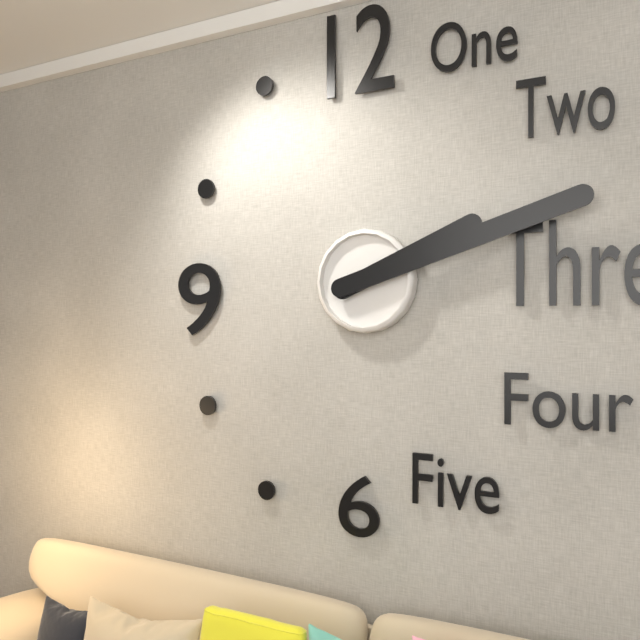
2:12
